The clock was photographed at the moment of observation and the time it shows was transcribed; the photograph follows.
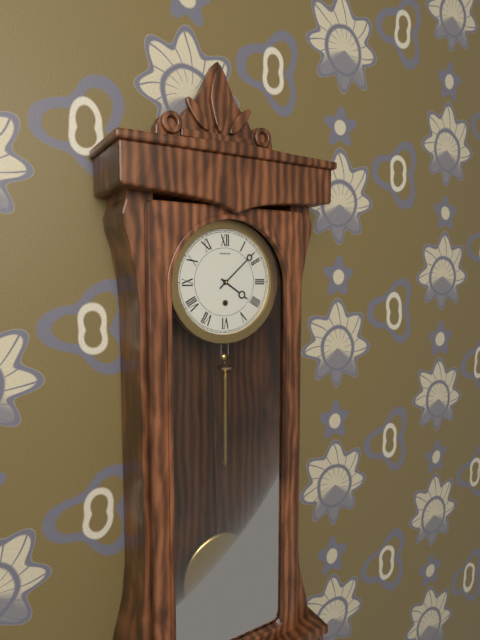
4:08
